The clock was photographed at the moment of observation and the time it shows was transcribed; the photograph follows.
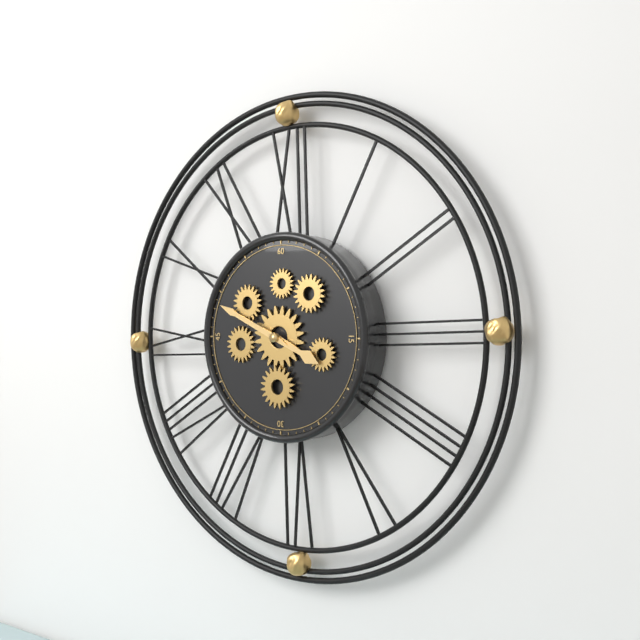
3:49
